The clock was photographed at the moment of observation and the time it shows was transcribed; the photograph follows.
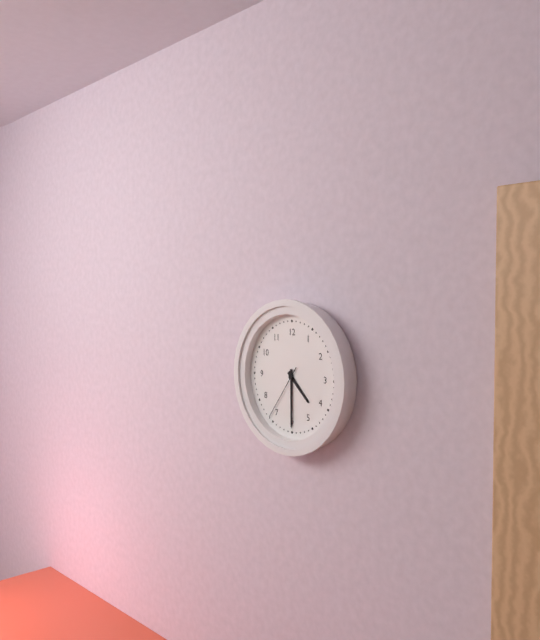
4:30:36
